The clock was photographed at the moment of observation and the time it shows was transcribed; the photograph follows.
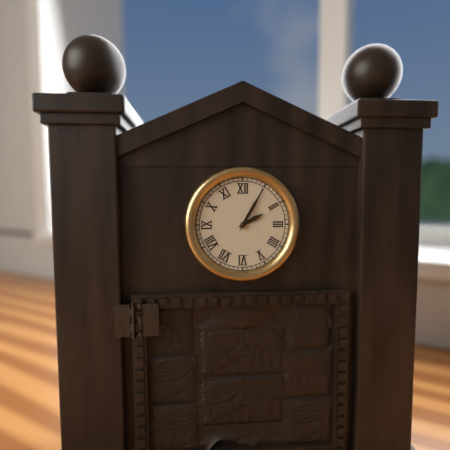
2:05
